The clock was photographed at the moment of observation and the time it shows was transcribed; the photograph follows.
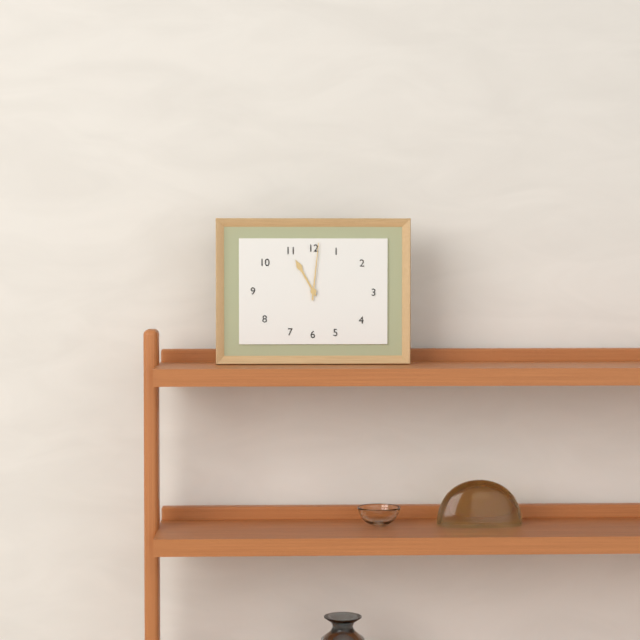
11:01
